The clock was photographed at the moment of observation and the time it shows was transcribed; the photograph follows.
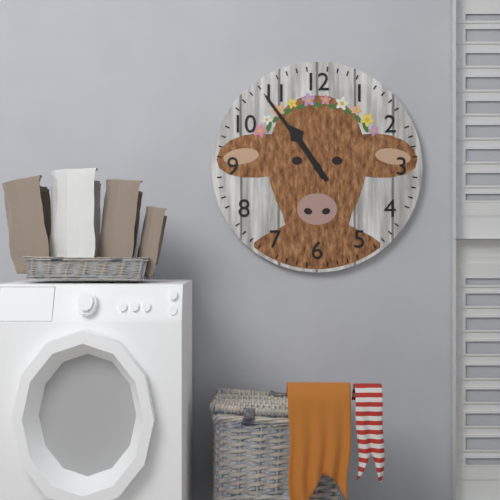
10:54
